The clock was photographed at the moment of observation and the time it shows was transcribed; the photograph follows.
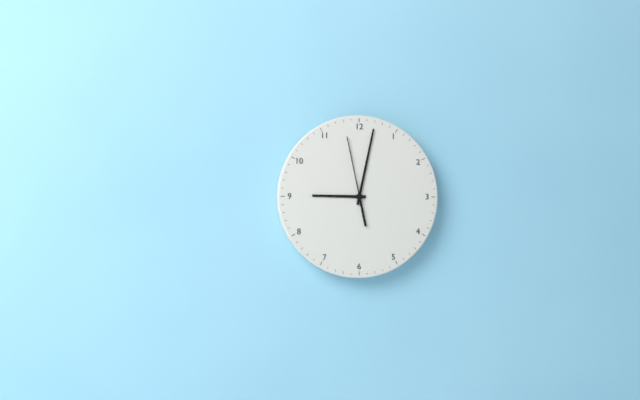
9:02:58
